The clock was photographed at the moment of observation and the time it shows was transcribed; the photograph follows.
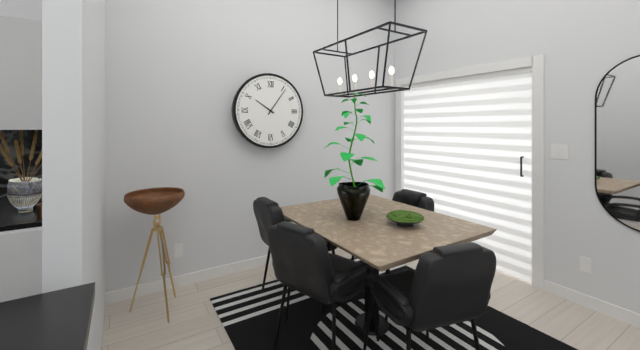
10:06
